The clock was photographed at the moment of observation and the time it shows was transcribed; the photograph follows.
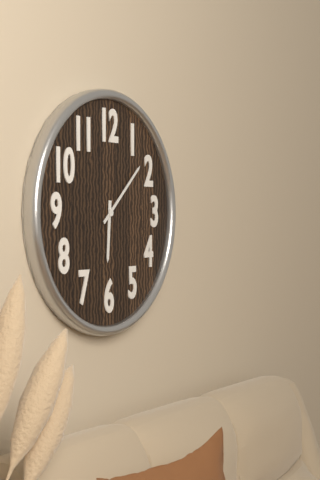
6:08
